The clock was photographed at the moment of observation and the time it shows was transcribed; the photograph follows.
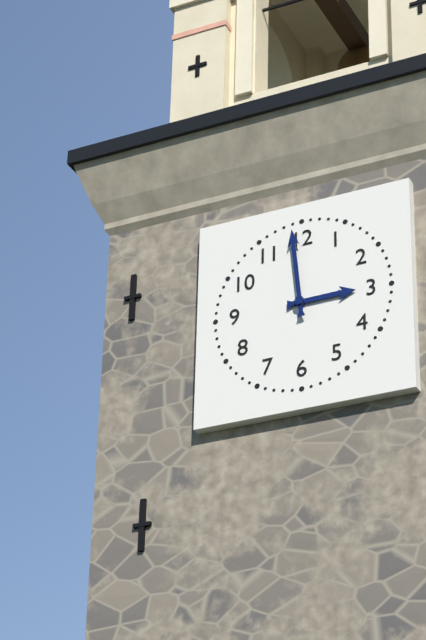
2:59
